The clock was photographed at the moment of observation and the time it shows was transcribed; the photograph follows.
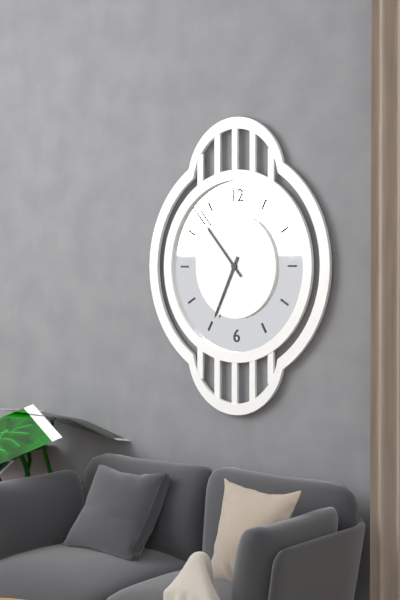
6:53
